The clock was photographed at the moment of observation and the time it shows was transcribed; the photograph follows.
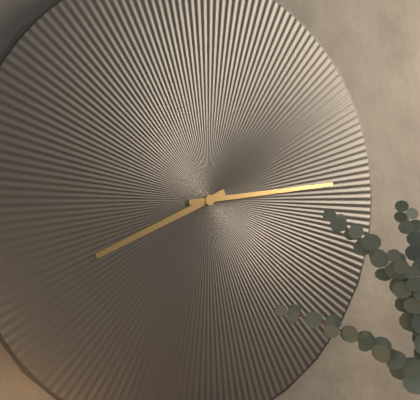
8:14
